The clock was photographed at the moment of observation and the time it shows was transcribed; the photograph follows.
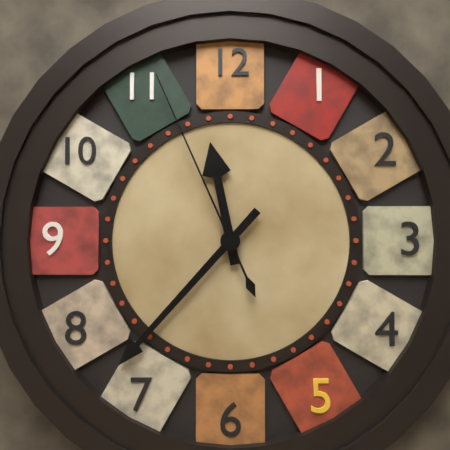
11:37:56
